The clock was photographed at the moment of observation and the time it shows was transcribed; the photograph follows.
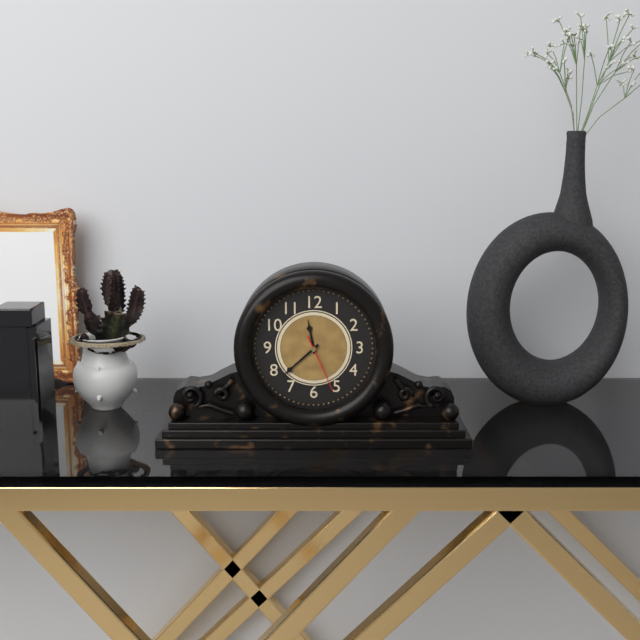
11:38:26
